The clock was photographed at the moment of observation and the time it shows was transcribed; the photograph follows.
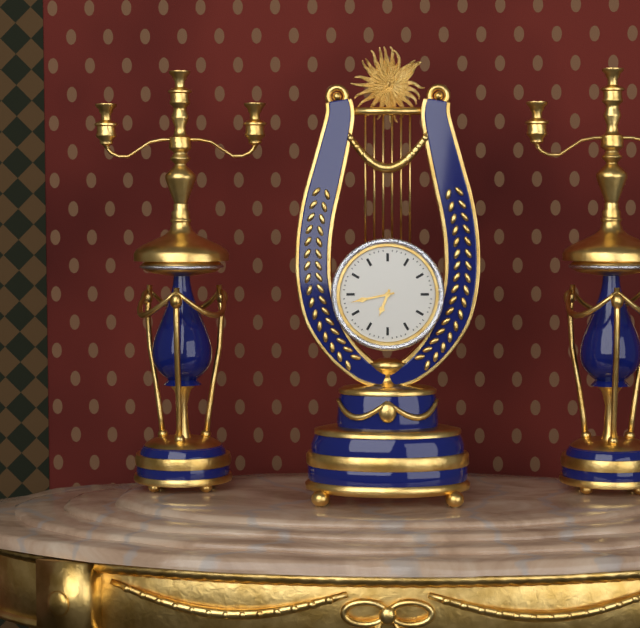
6:43
